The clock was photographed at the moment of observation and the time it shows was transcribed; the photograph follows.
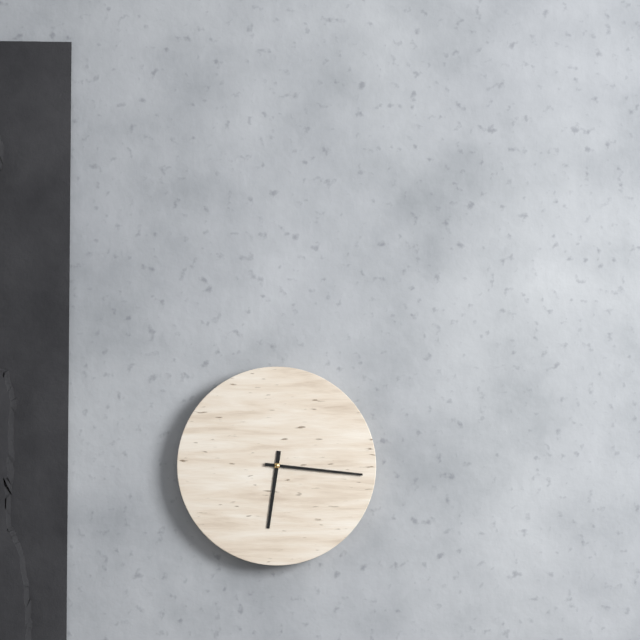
6:16
